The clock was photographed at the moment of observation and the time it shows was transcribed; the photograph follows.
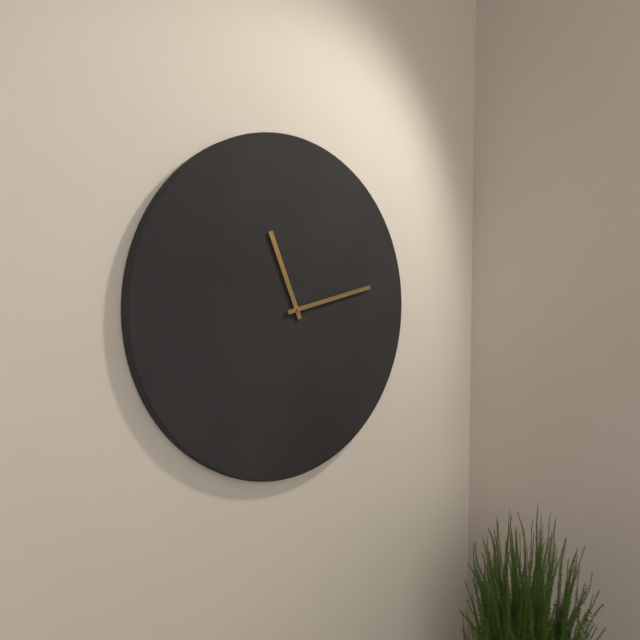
11:13
